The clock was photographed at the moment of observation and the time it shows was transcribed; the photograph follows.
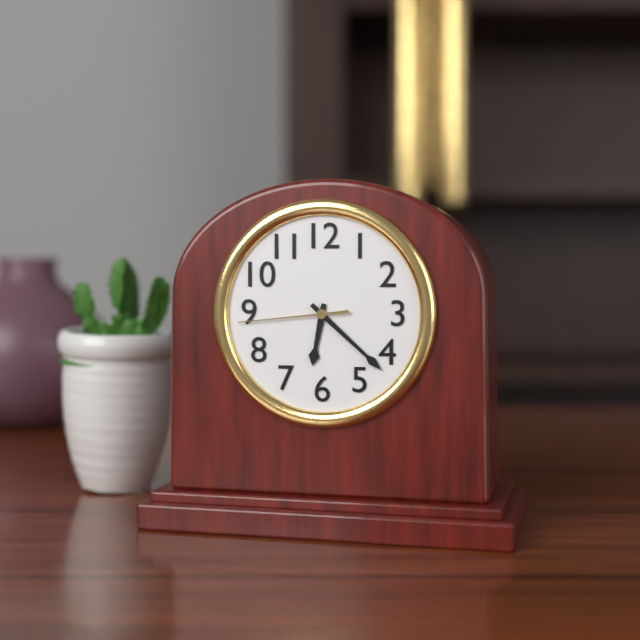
6:22:44
